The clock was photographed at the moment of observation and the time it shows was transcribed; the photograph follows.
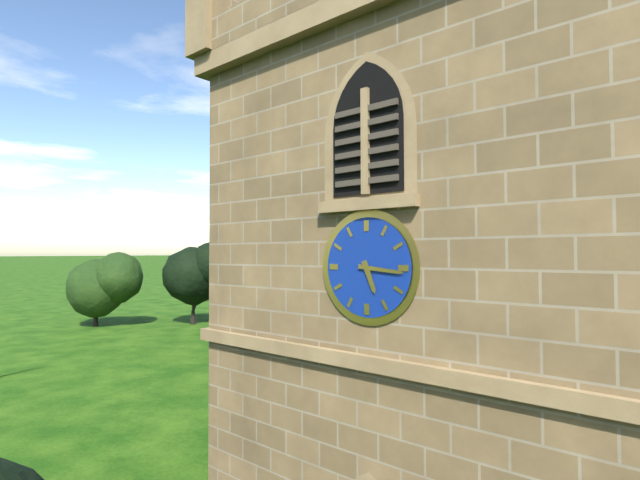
5:16
